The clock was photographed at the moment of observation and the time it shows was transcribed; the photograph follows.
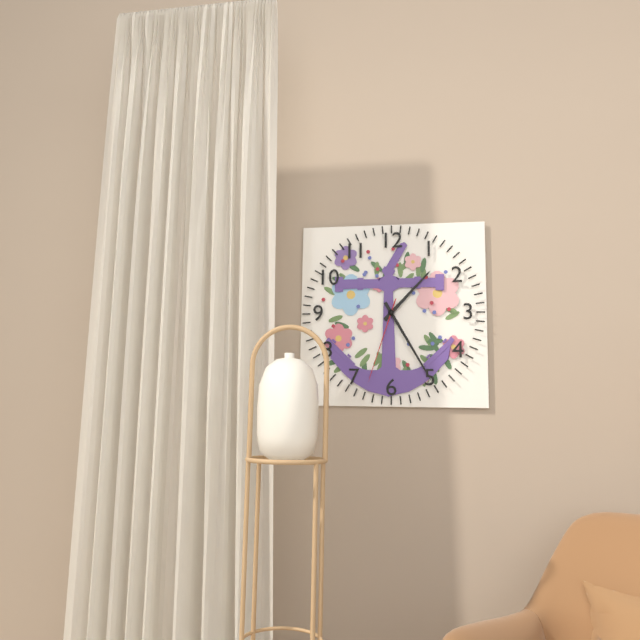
1:25:33
